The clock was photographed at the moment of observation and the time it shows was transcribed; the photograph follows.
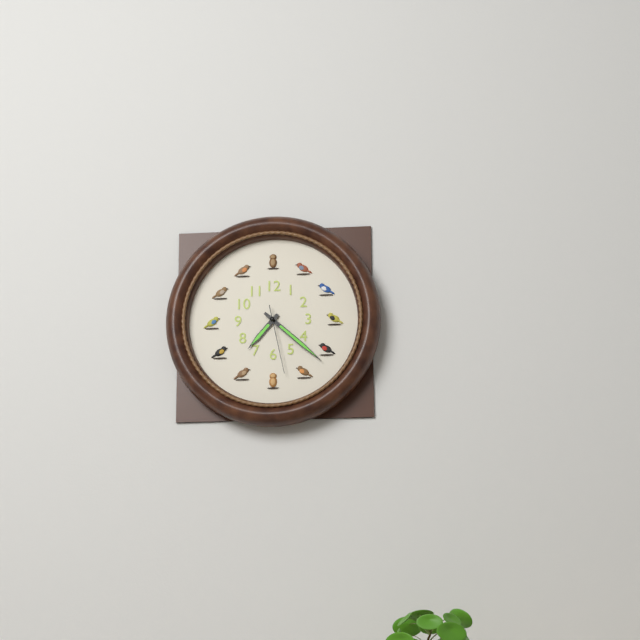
7:22:28
